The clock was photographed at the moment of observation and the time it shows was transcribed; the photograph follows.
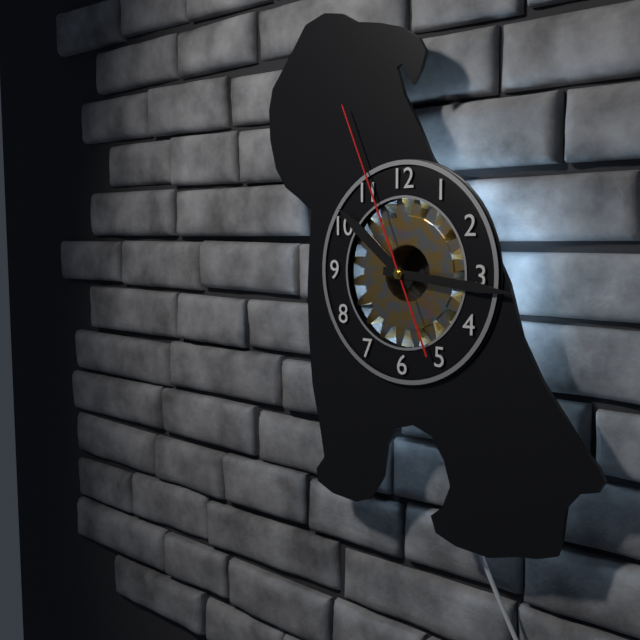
10:16:56
